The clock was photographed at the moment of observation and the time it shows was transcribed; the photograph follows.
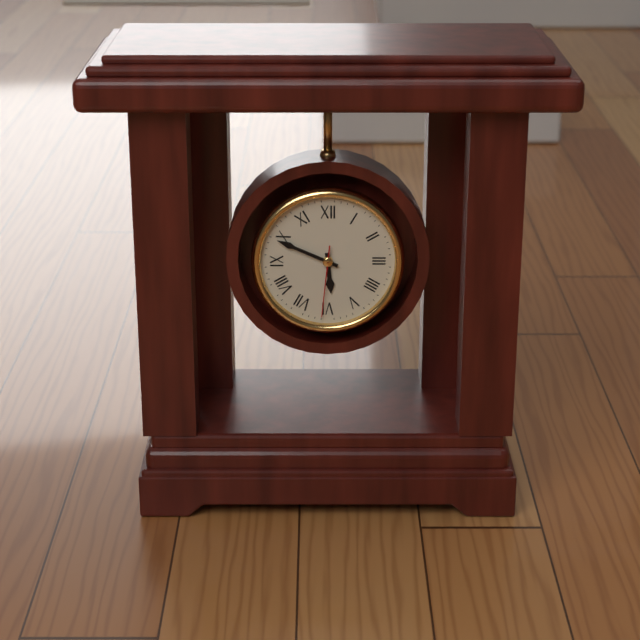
5:49:31
